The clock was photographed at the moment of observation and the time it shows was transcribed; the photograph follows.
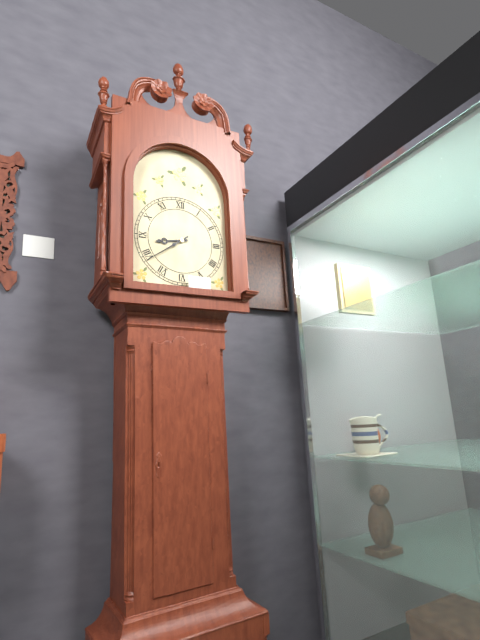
8:39
